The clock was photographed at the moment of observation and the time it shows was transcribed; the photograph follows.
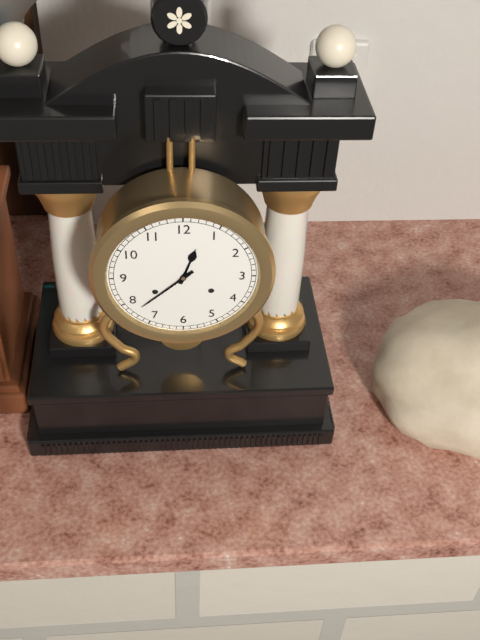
12:38
